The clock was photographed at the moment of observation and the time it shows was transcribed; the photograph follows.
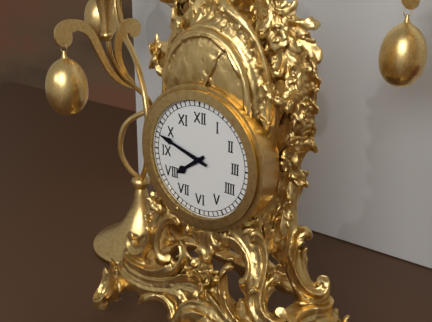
7:48
